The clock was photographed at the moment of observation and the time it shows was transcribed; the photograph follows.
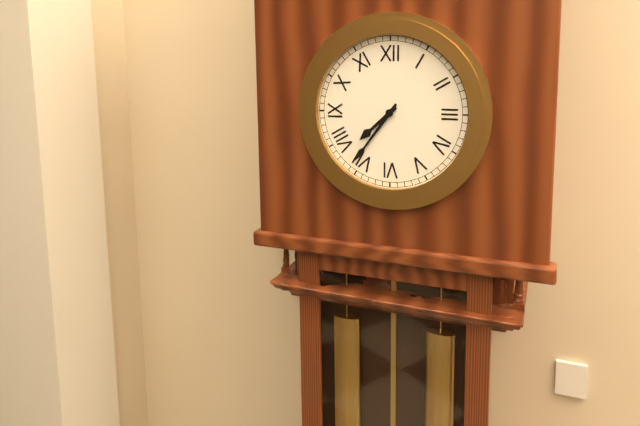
7:36
